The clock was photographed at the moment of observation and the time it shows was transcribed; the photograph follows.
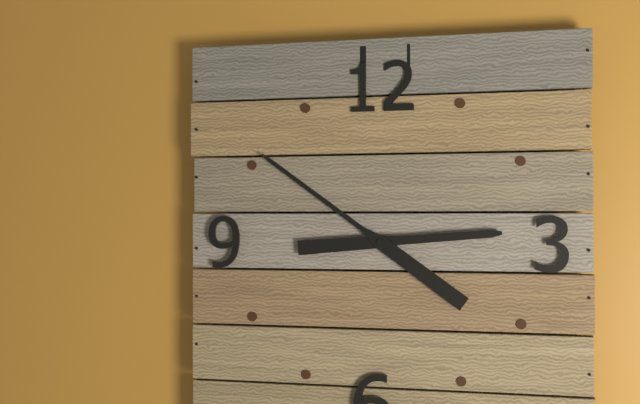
2:51
